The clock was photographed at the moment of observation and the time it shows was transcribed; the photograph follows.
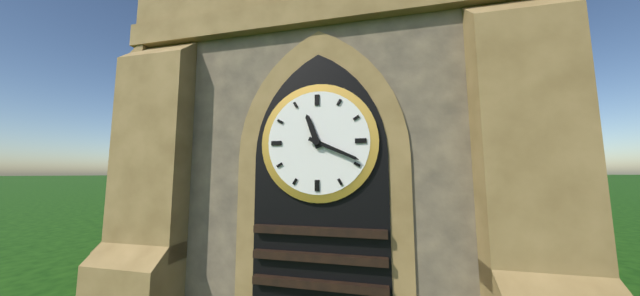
11:19
